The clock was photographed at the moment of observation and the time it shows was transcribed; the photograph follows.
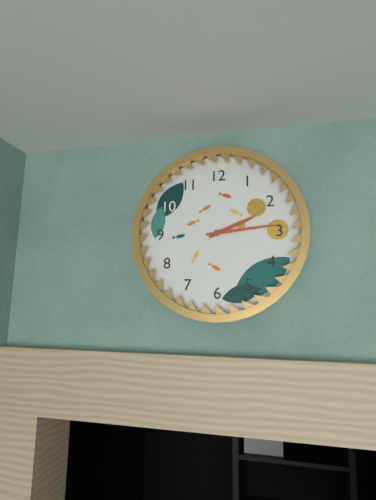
2:14
